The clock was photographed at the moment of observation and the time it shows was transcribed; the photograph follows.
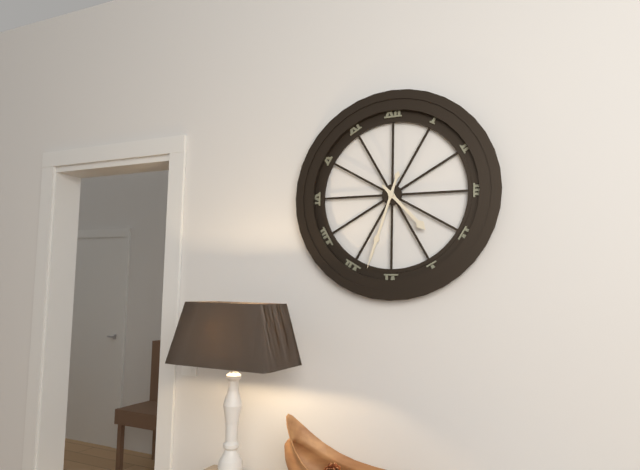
4:33
